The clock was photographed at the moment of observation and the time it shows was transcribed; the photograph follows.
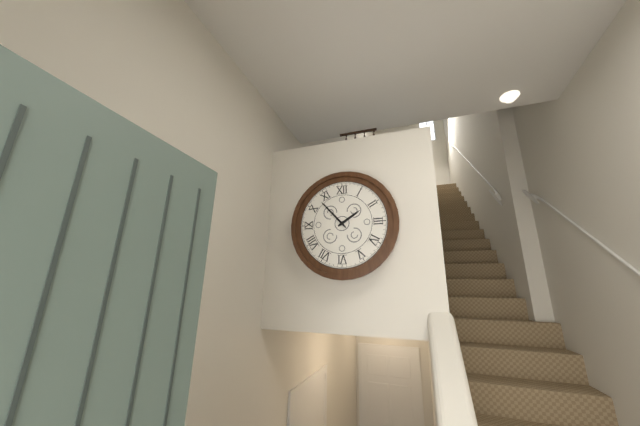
1:53
